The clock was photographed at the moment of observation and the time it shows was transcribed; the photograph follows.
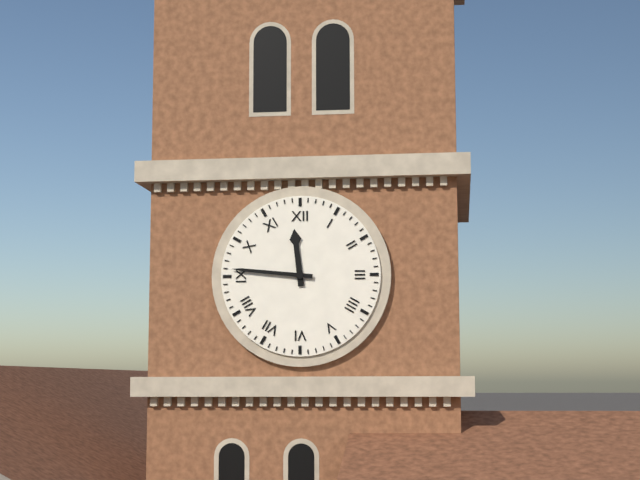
11:46
